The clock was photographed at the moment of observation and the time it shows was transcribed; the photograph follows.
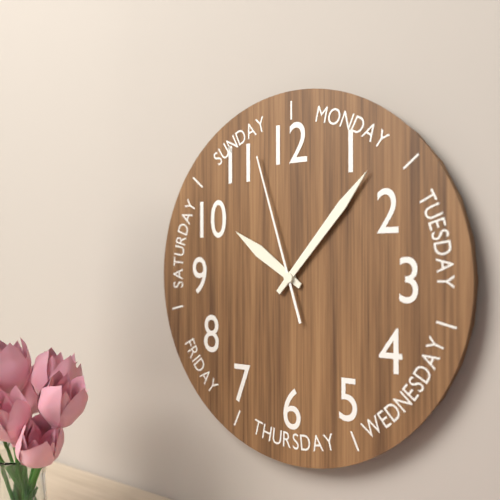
10:07:57
